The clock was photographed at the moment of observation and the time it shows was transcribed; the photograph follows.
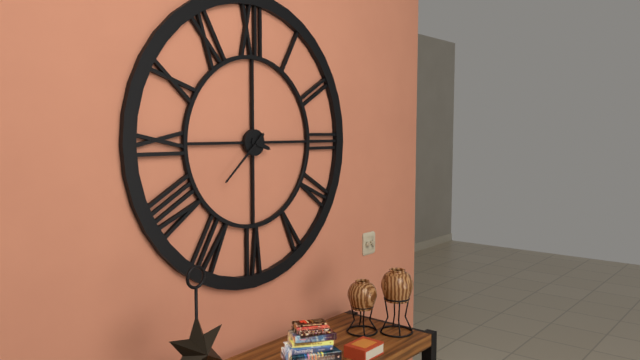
3:38
